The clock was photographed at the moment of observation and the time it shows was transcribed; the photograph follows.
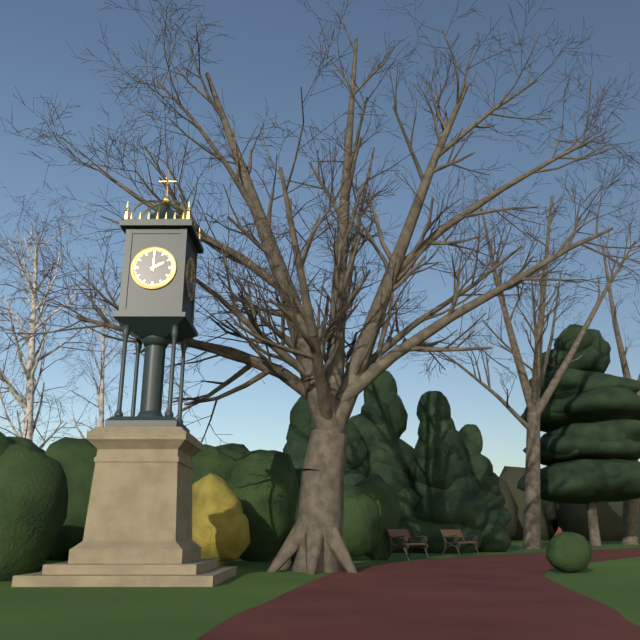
2:00
